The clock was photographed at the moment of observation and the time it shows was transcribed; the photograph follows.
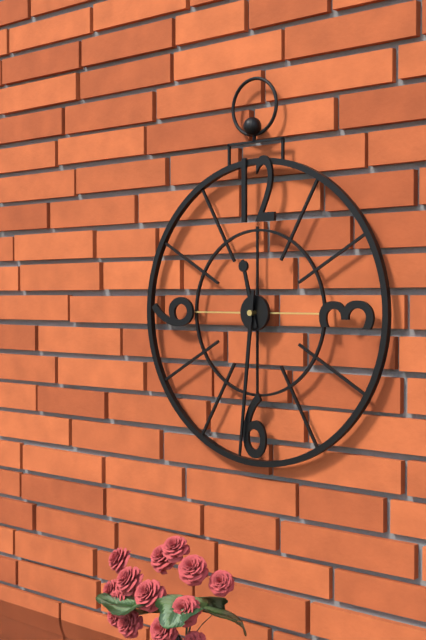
11:31
